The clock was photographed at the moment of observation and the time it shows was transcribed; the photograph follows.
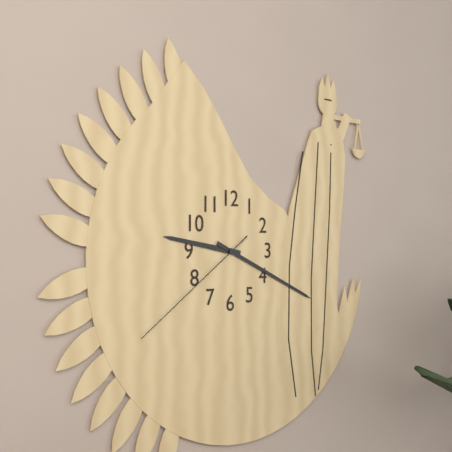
9:19:39
